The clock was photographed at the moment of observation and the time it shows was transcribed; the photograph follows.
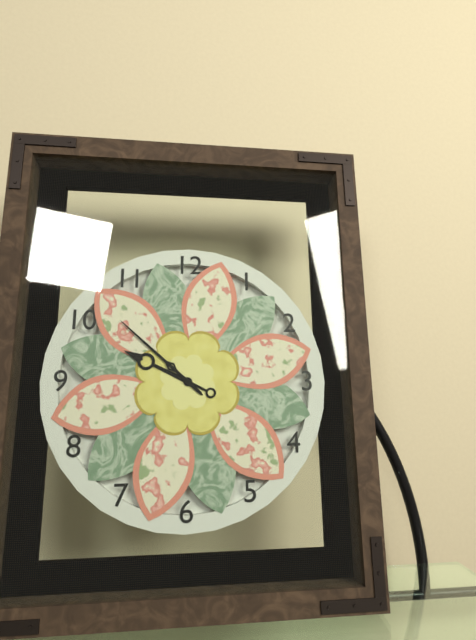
9:52
